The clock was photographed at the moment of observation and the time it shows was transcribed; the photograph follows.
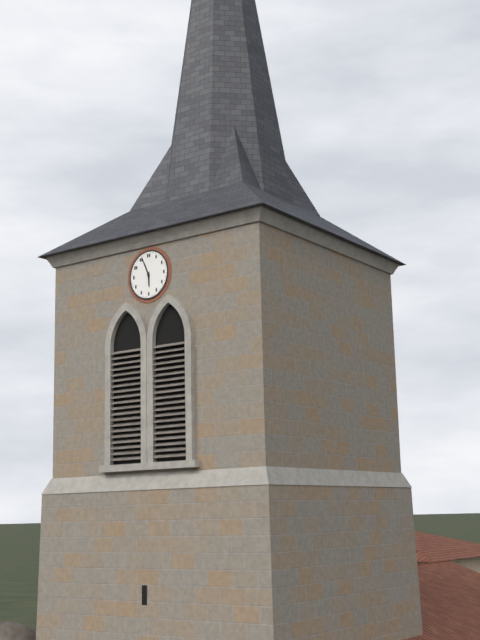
5:56
